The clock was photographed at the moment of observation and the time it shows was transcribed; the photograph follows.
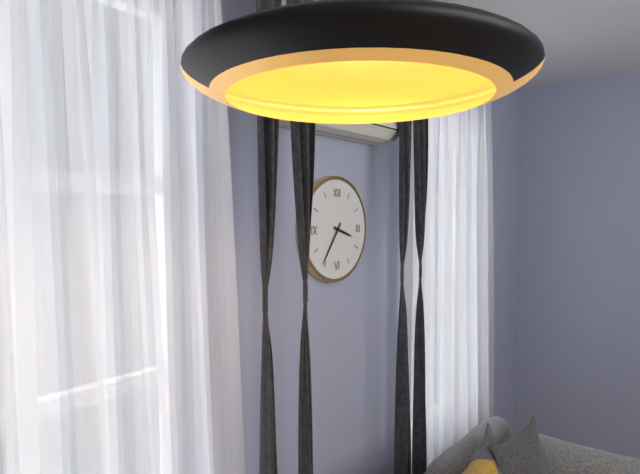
3:36
